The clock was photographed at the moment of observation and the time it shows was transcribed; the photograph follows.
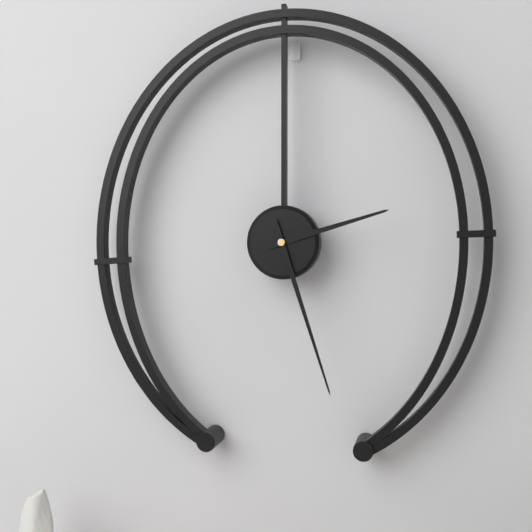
2:27
